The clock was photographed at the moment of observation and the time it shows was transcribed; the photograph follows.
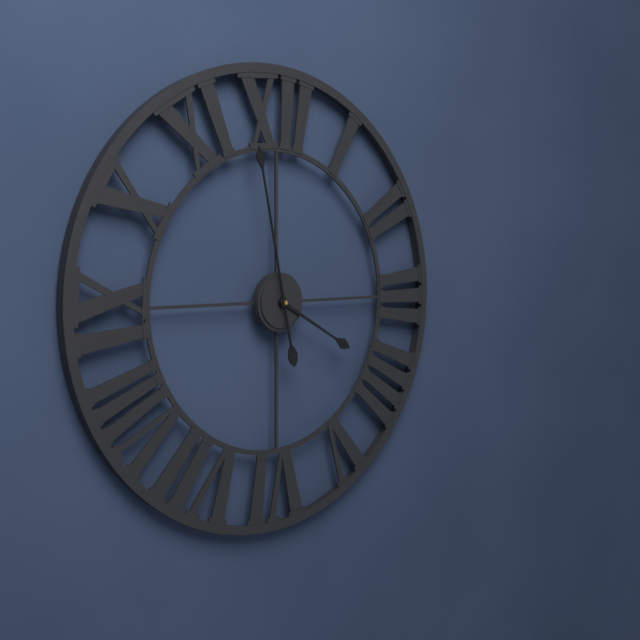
3:58
